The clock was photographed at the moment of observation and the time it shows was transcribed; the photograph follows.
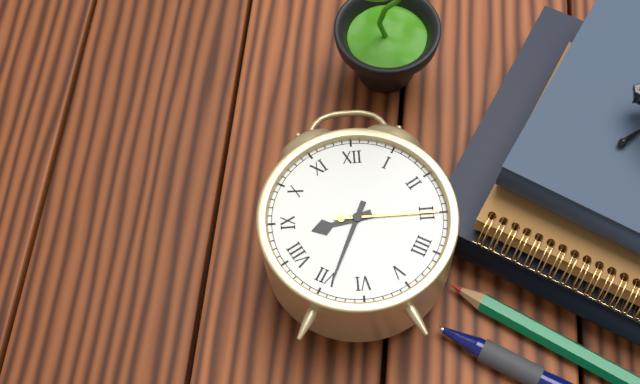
8:34:15
